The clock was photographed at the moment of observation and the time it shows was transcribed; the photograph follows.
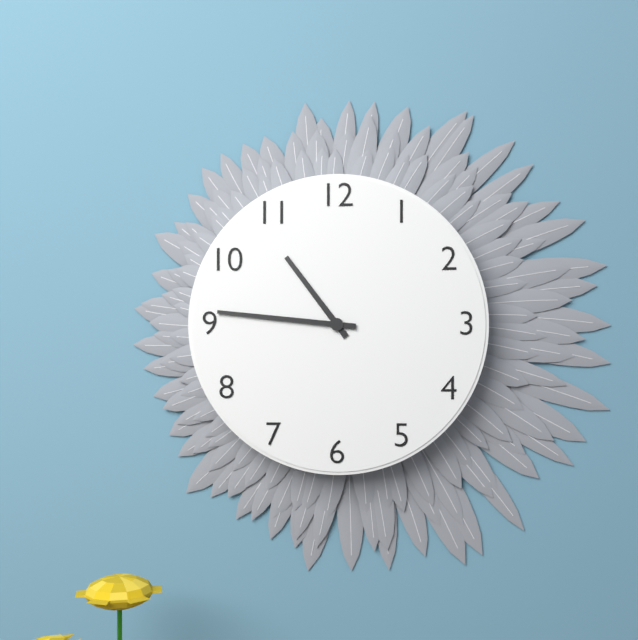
10:46
